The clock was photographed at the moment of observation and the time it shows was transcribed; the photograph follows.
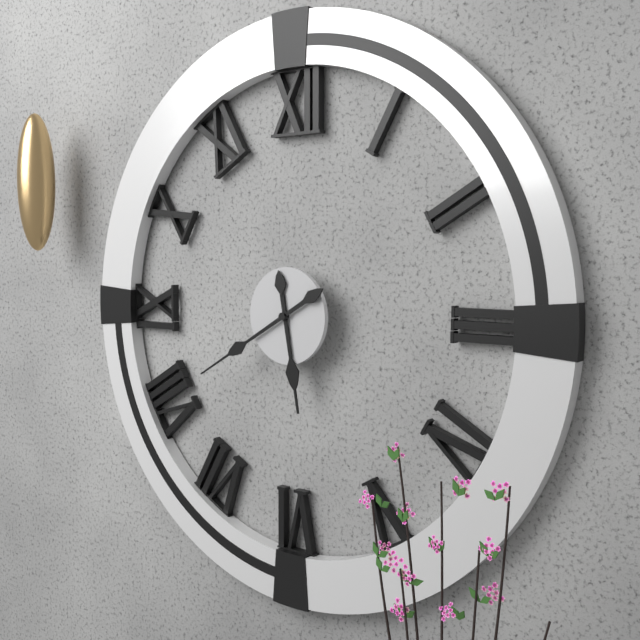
5:40
